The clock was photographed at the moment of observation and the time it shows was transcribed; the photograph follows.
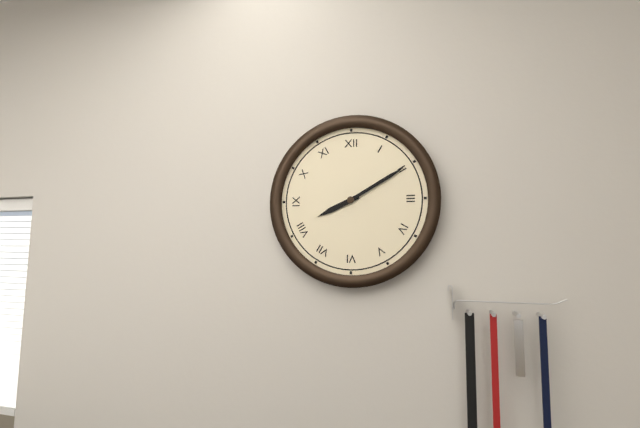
8:10
